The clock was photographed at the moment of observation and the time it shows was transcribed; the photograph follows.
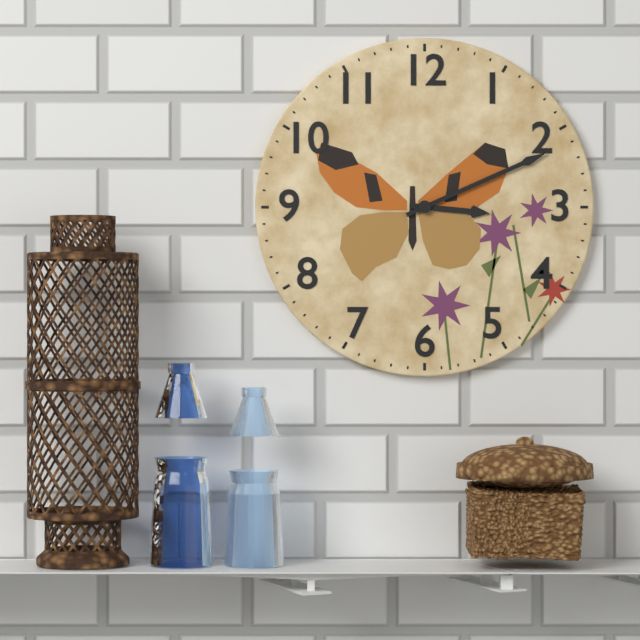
3:11
